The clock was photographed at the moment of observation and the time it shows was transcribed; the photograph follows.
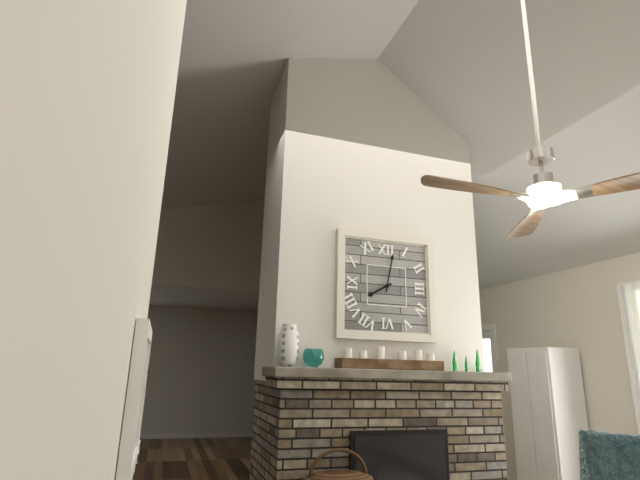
8:02
